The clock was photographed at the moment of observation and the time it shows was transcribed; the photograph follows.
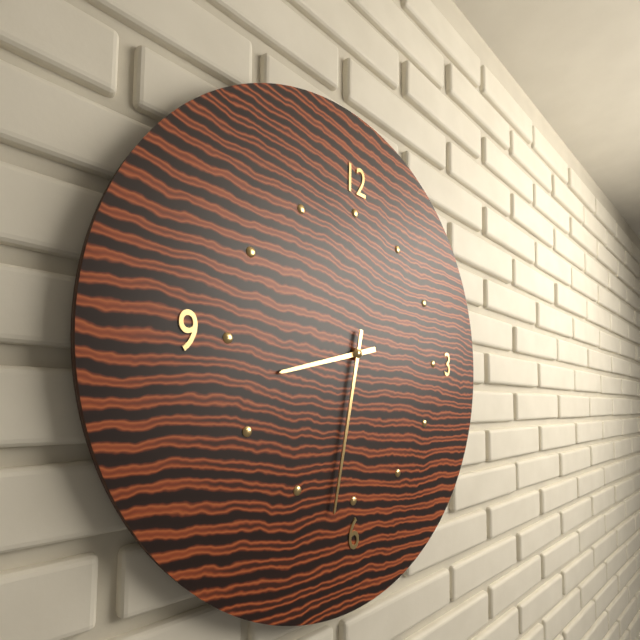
8:32
